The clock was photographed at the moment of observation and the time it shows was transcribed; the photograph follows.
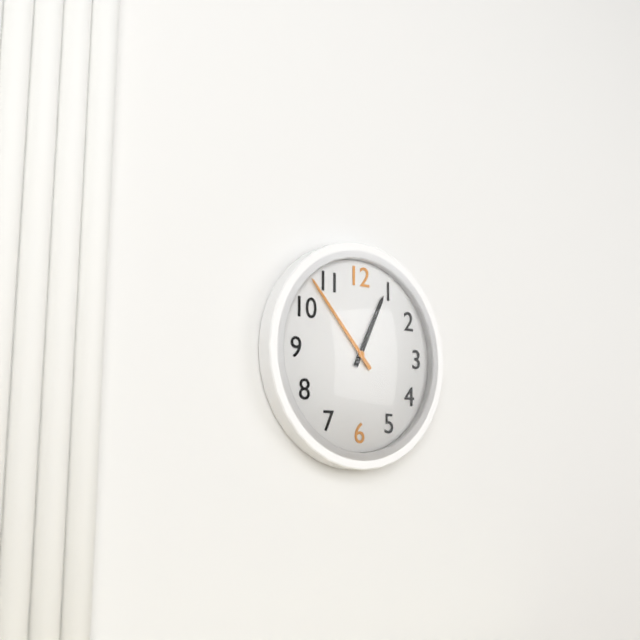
12:53
